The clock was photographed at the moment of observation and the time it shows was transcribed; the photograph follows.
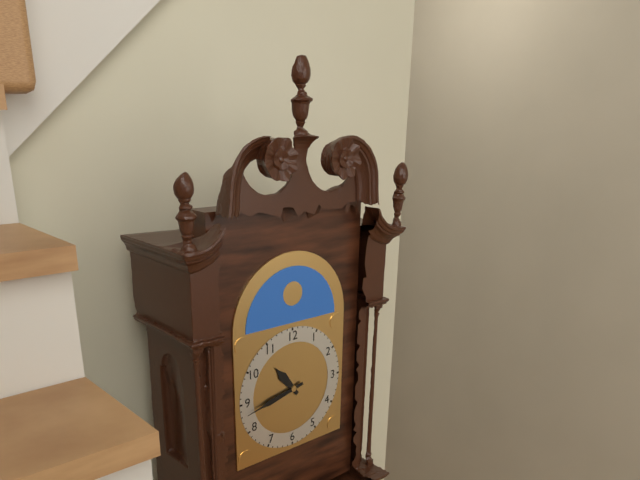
10:43
